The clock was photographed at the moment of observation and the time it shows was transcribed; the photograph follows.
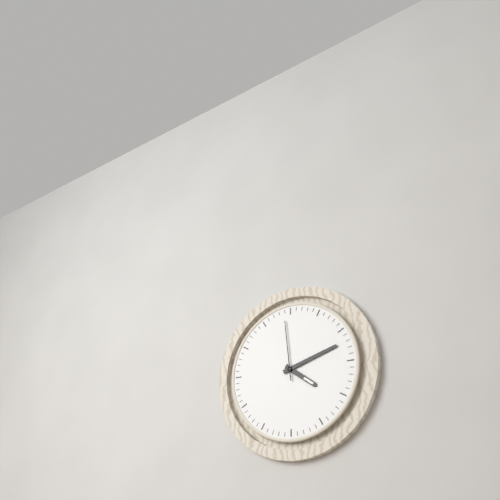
4:12:59
